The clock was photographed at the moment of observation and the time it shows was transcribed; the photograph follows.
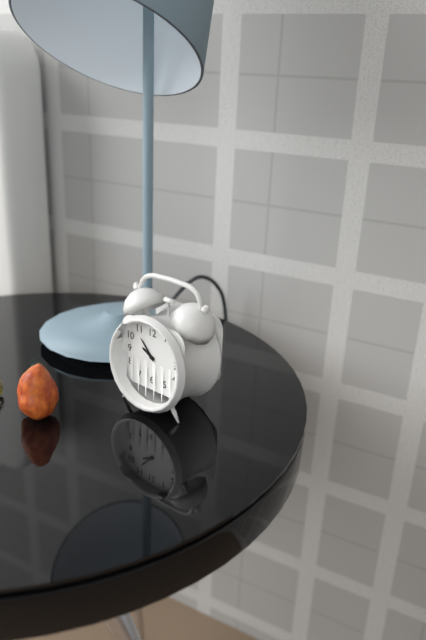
9:53
